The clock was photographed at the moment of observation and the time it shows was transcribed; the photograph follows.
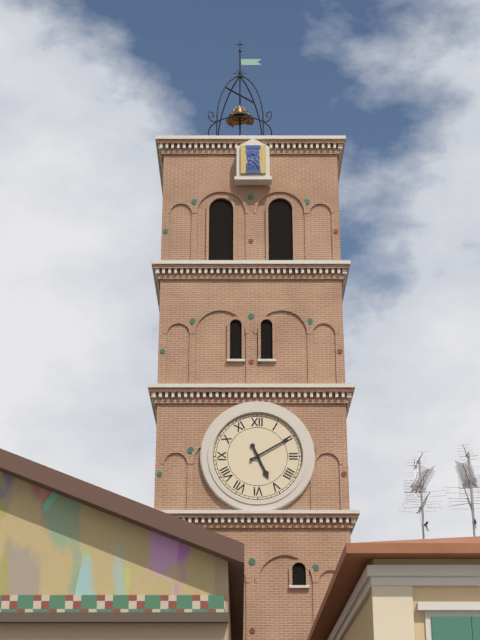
5:10
